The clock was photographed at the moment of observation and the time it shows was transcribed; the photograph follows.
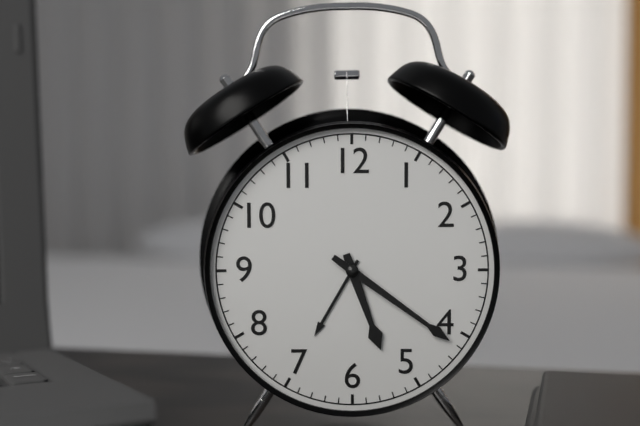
5:21
